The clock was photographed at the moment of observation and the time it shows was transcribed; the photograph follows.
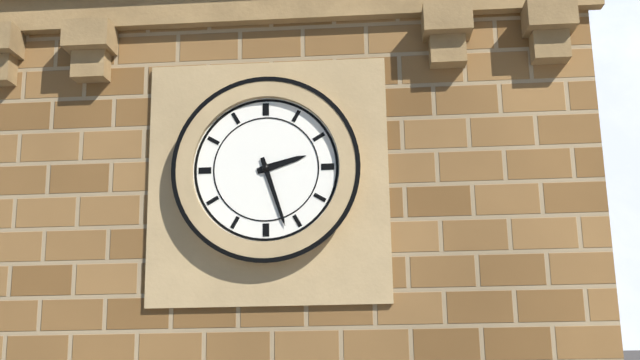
2:27
